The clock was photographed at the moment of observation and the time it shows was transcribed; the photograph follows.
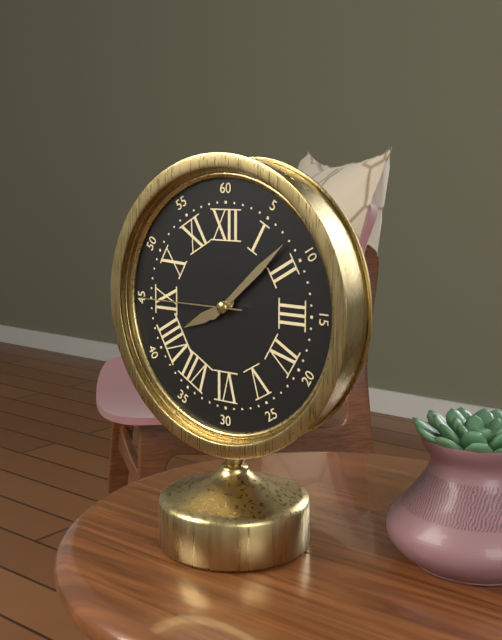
8:08:45
